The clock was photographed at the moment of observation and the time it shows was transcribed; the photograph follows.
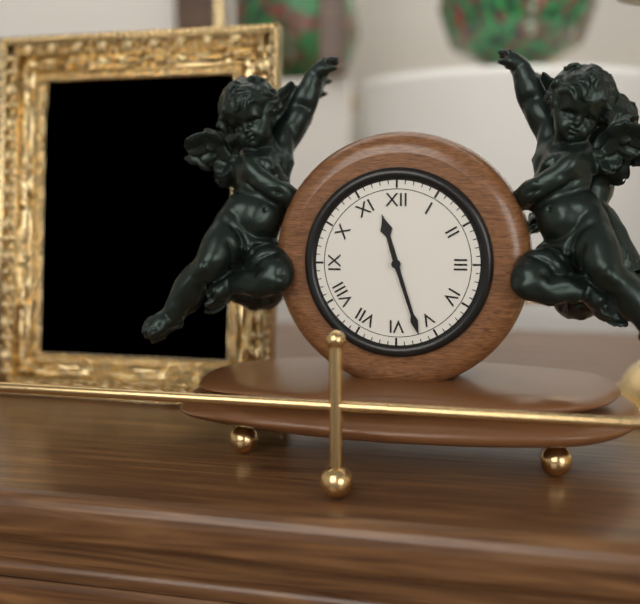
11:27
